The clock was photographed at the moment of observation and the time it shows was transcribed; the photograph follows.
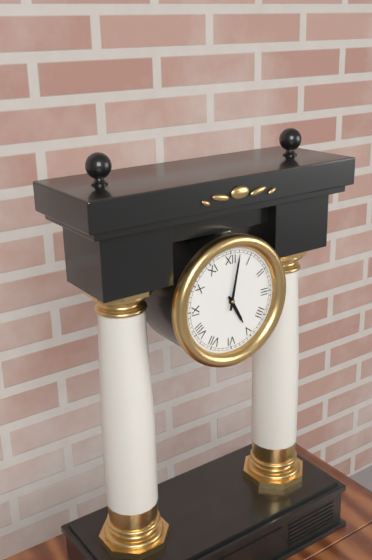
5:02
